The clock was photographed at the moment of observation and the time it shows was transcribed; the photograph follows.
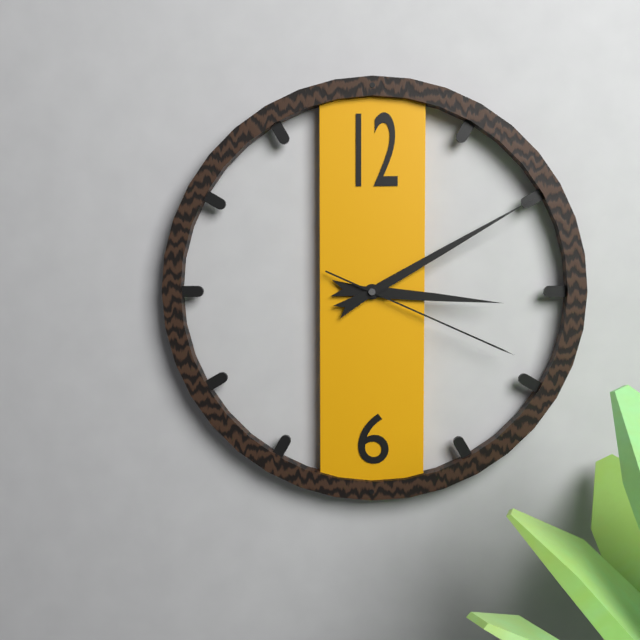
3:10:19
